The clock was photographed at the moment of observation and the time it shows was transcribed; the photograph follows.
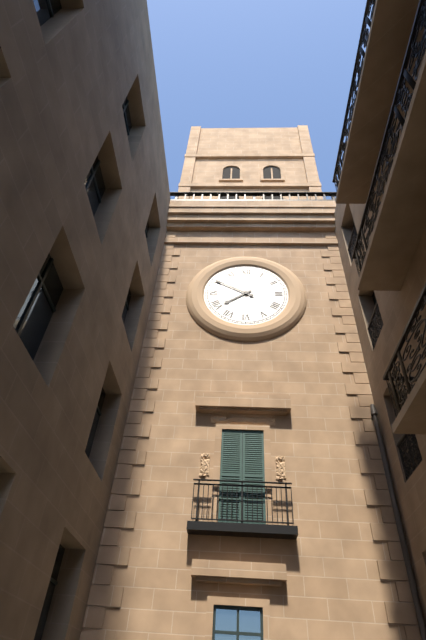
7:50
